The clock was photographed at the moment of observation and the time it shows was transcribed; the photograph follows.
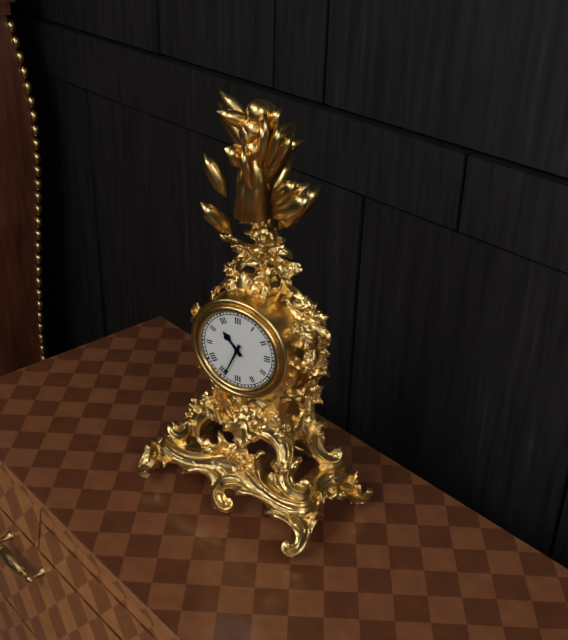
10:34
